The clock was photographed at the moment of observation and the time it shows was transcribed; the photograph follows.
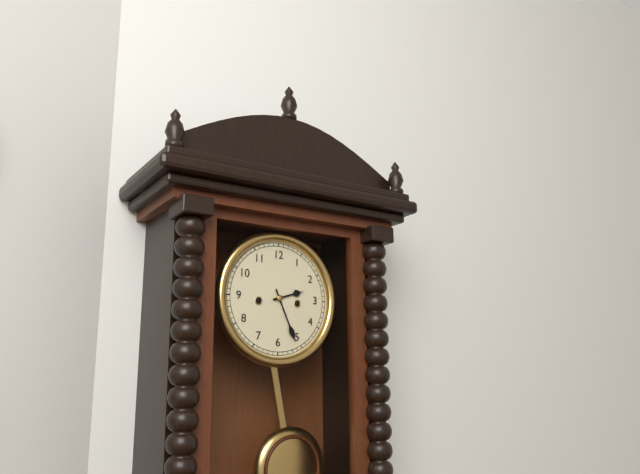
2:26
